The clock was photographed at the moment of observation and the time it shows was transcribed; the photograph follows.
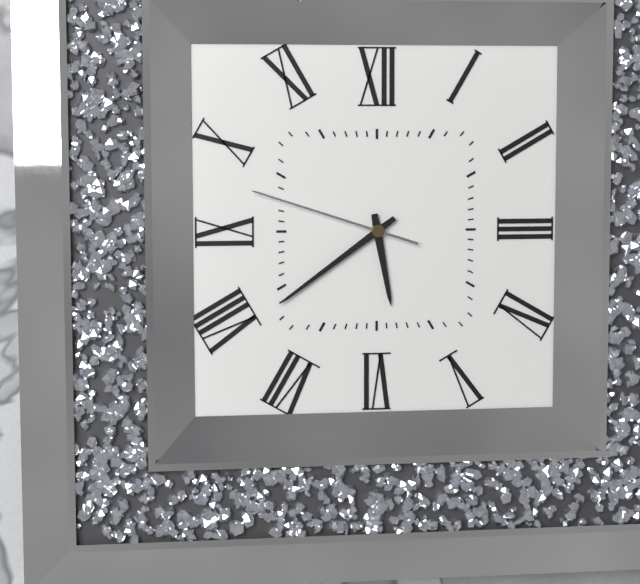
5:39:48
